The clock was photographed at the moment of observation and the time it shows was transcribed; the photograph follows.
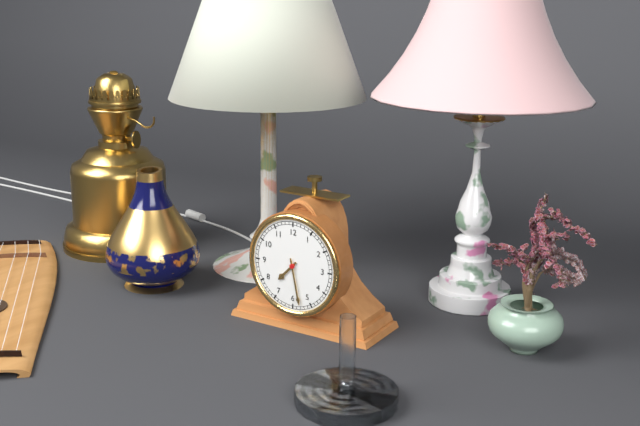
7:28
